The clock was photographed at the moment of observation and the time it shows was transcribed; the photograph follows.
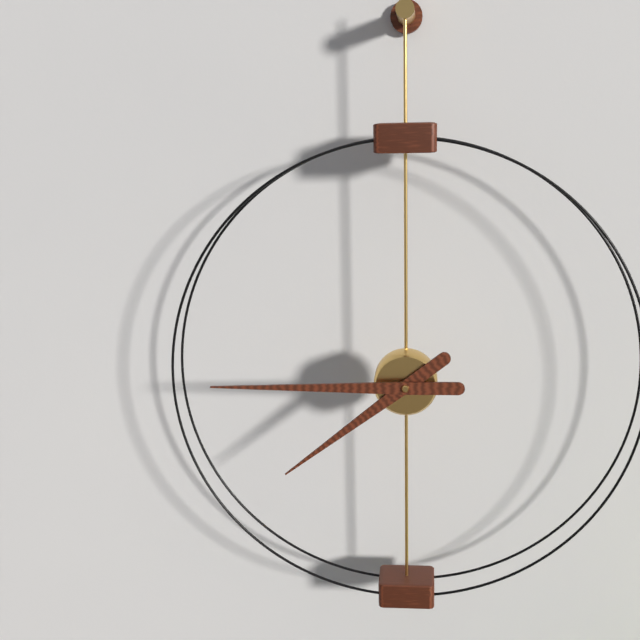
7:45
